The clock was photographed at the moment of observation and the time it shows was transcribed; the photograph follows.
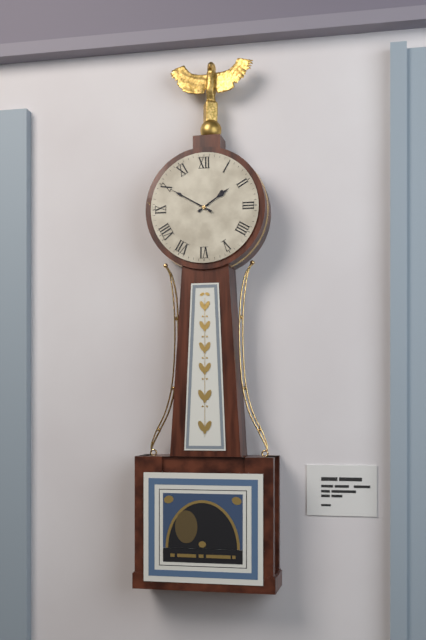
1:50
